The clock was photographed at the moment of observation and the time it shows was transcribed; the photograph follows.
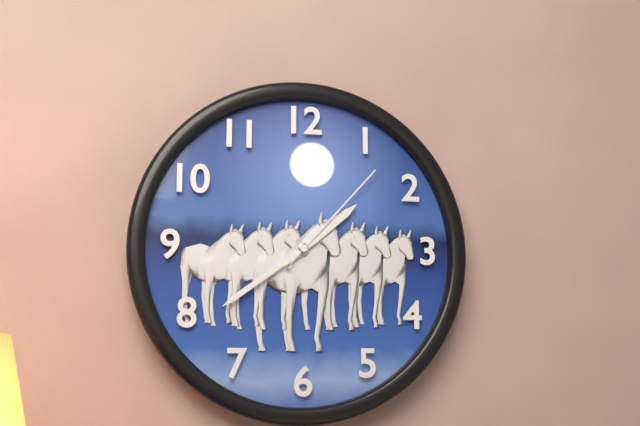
1:39:07
